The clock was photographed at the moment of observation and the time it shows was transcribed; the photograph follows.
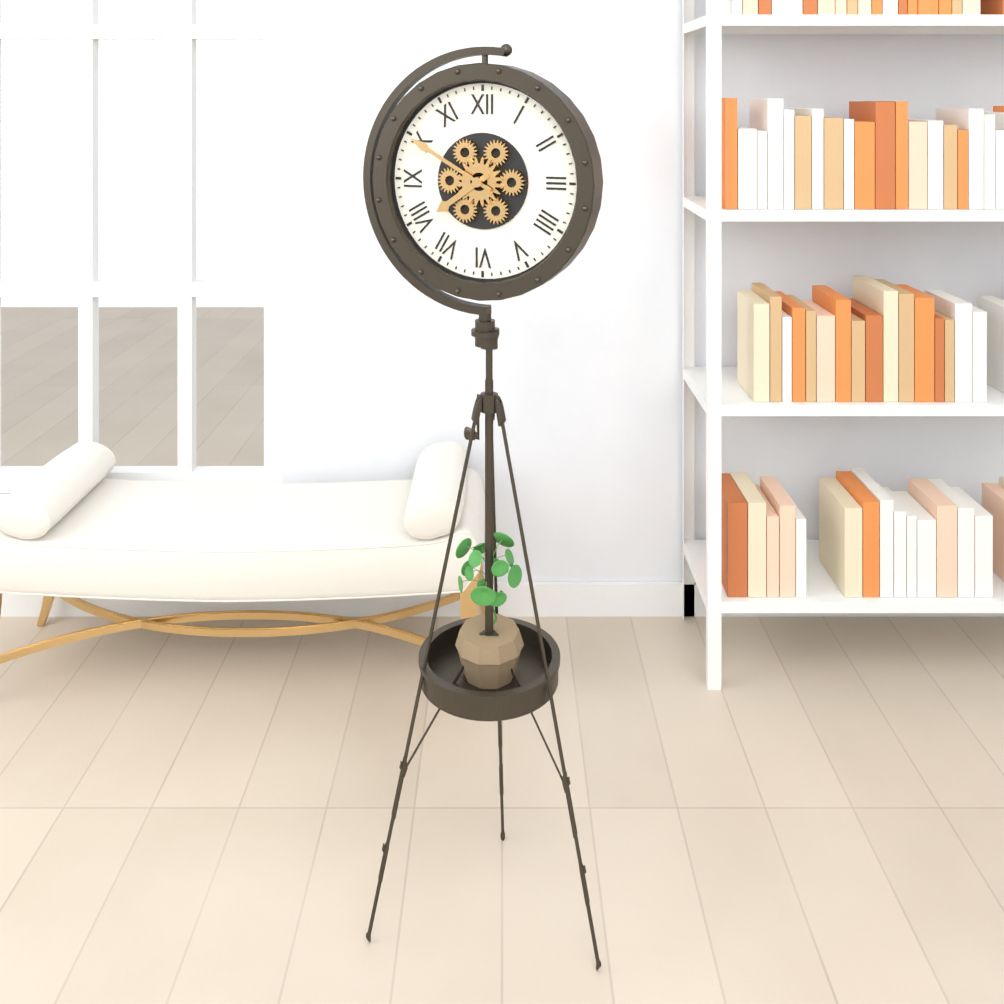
7:50
